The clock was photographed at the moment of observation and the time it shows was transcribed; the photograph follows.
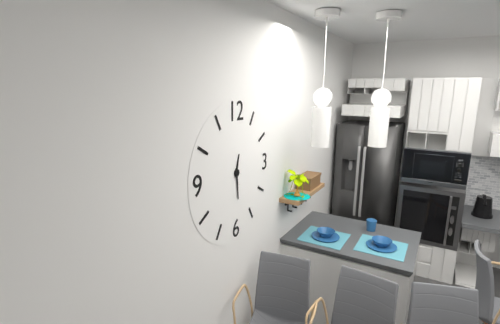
12:29
